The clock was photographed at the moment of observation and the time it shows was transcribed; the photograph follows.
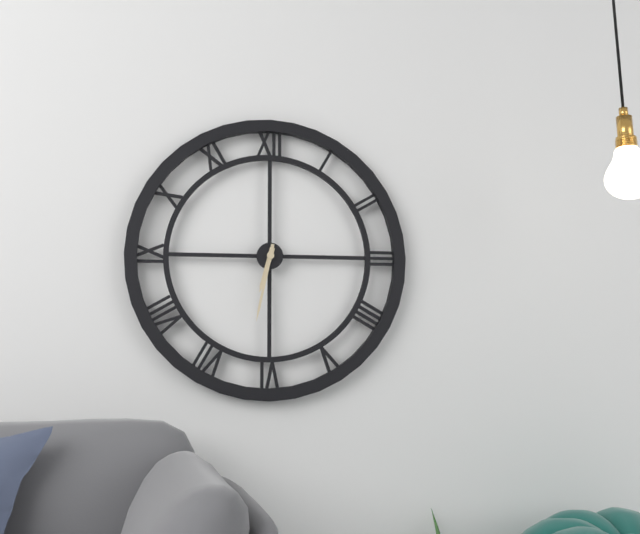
6:32
